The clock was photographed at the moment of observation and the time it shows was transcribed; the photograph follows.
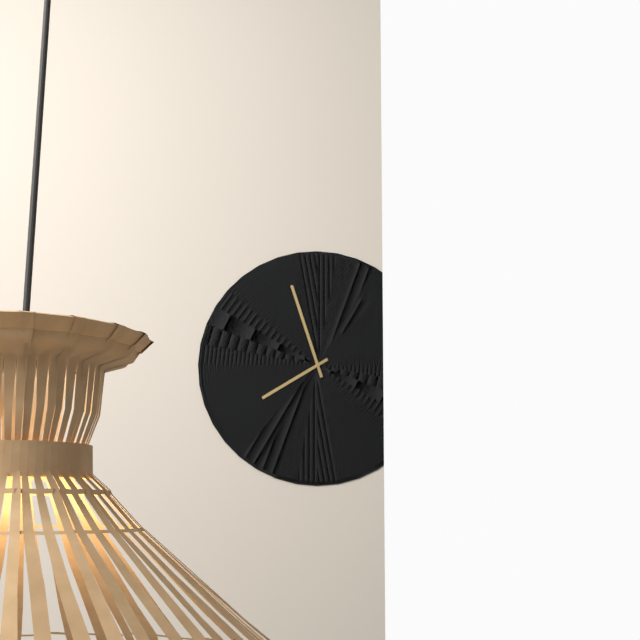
7:57
